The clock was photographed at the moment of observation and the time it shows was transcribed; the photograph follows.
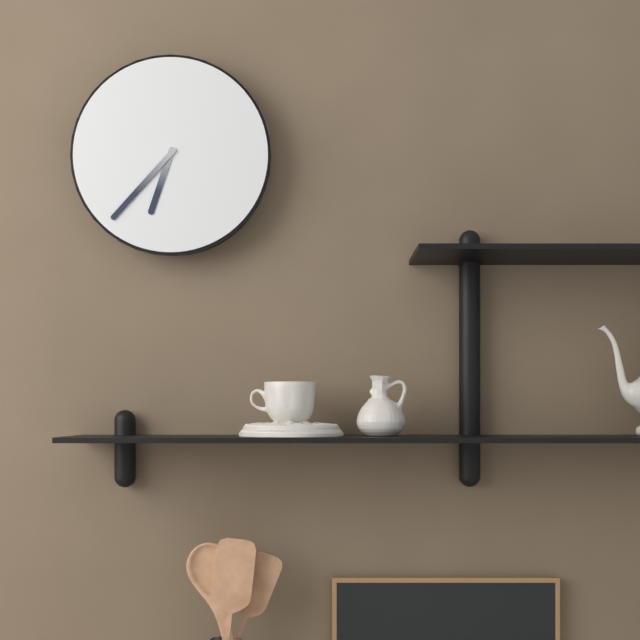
6:37
